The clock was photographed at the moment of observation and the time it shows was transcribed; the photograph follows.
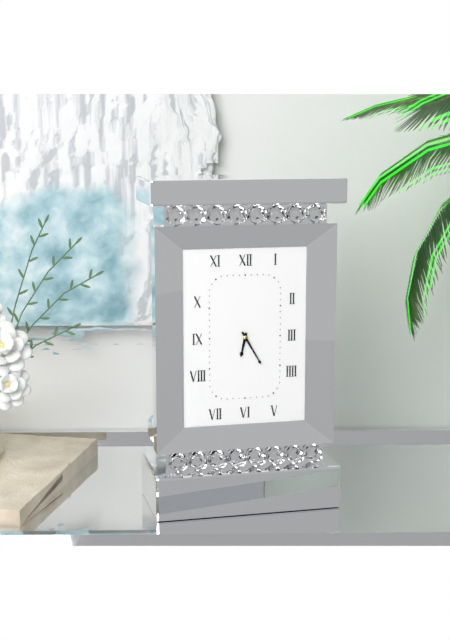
6:25
